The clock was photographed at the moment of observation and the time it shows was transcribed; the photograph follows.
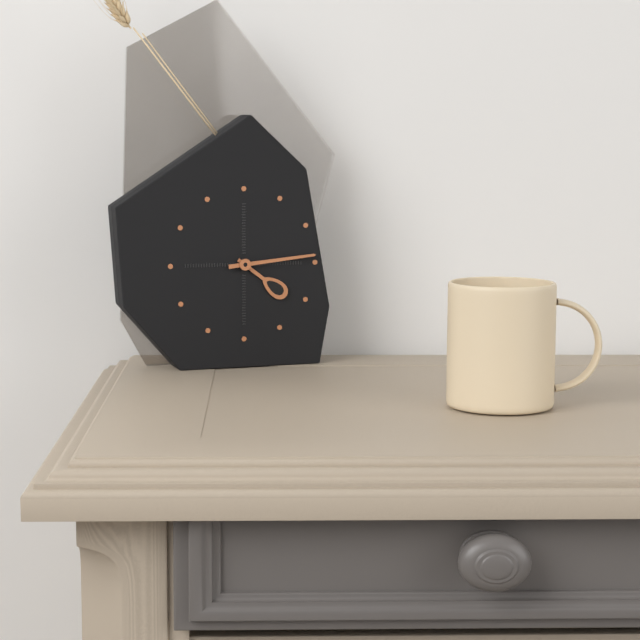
4:14
